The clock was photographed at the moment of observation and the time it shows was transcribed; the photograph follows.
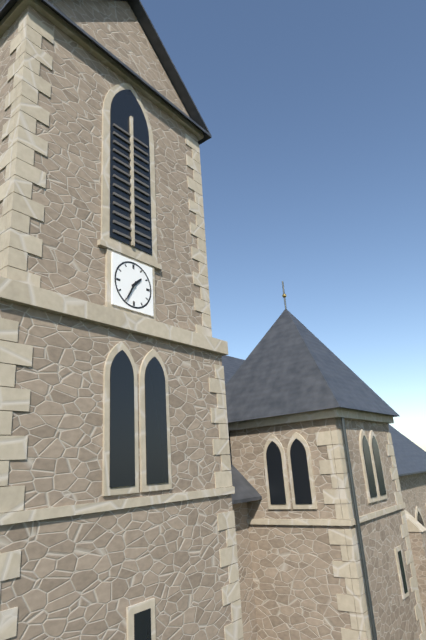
1:35
